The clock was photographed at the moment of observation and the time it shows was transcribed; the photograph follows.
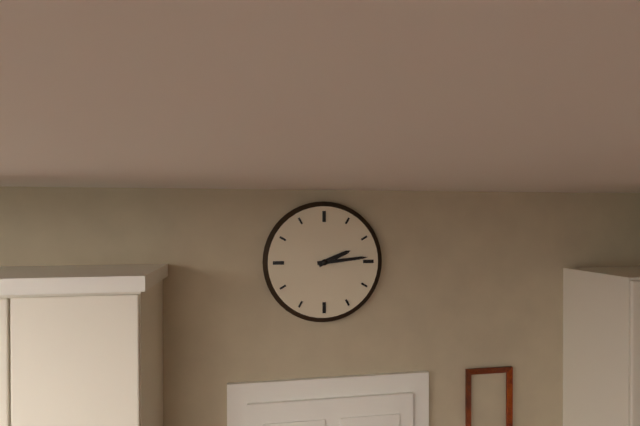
2:14
